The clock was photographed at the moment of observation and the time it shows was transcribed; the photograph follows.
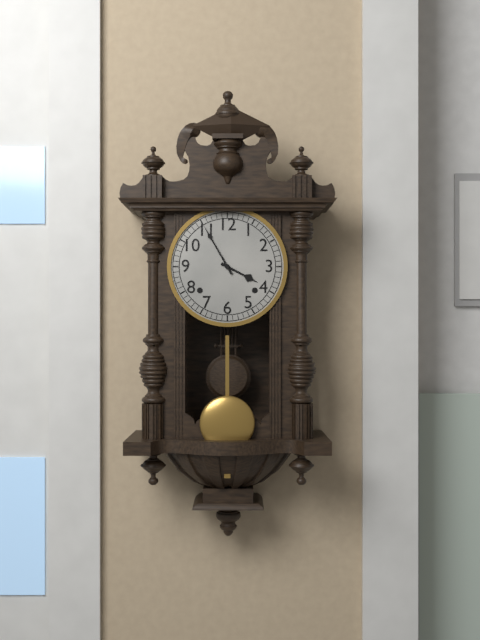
3:55
